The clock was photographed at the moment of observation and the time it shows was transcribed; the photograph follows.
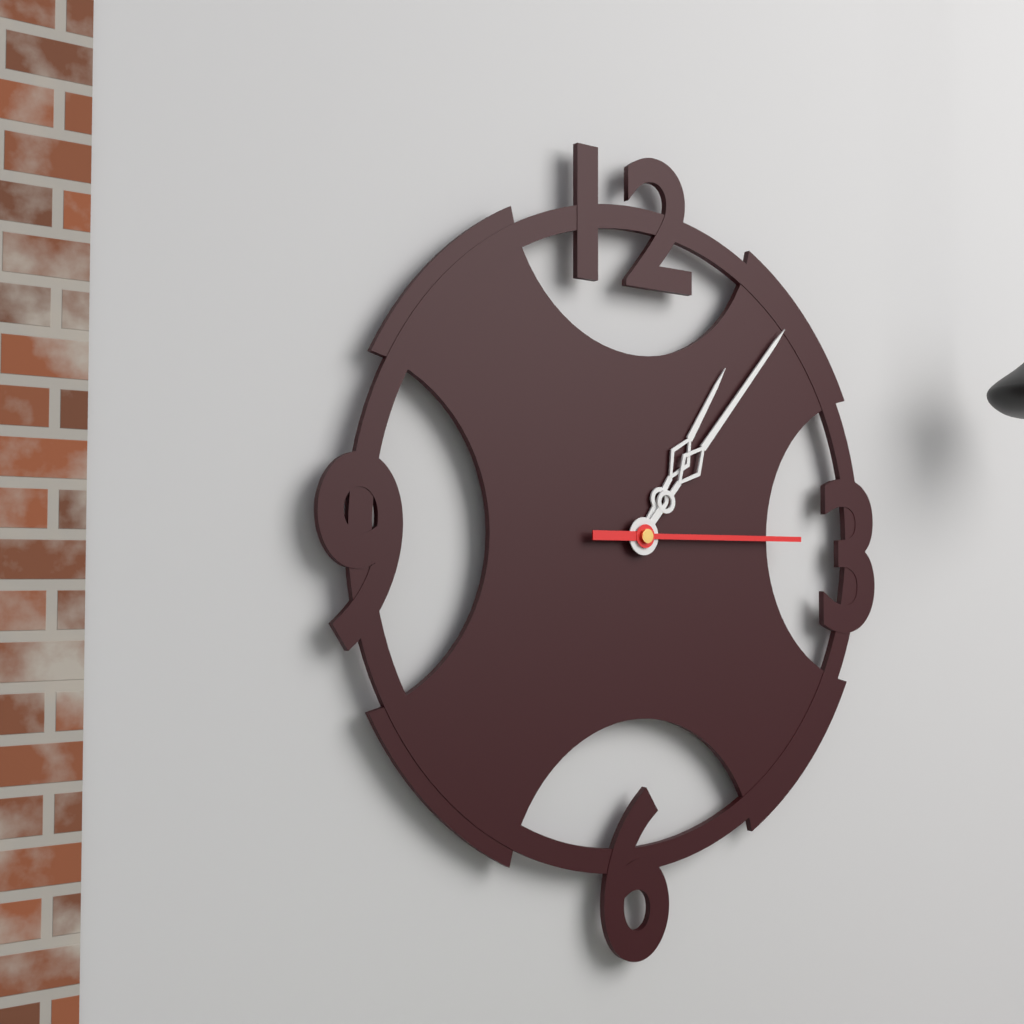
1:07:15
